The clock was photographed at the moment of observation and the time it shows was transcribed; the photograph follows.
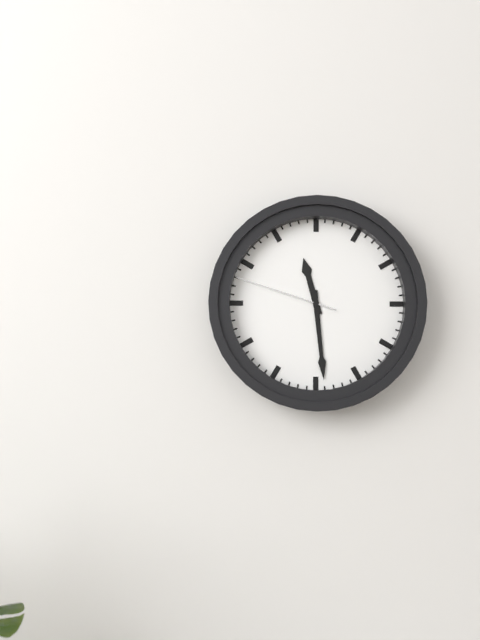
11:29:48
